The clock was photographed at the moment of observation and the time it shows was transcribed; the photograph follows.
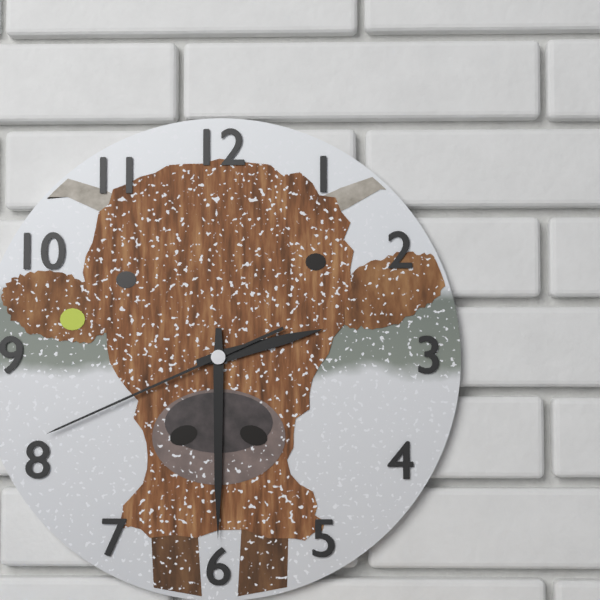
2:30:41
